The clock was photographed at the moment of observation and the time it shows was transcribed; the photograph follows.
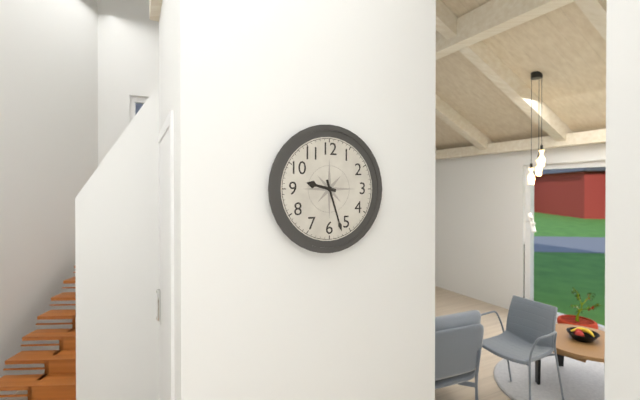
9:27
